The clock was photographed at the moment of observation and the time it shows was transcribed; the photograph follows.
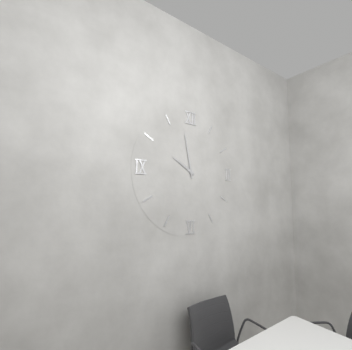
9:58
